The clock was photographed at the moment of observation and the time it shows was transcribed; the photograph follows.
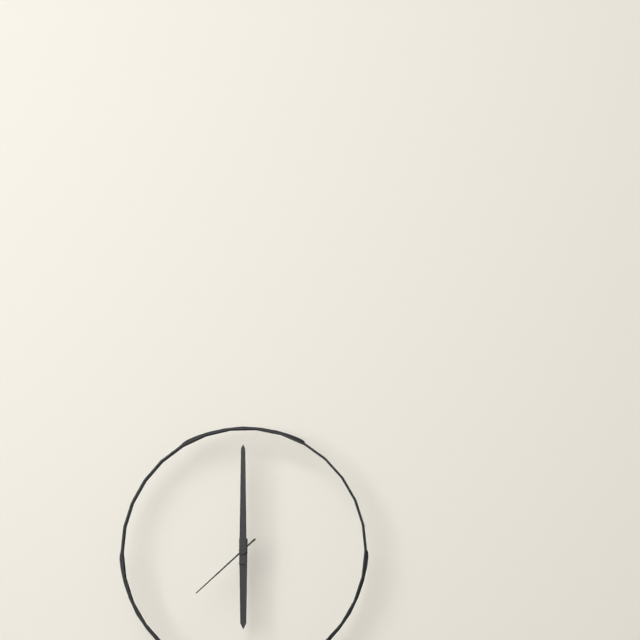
6:00:38
